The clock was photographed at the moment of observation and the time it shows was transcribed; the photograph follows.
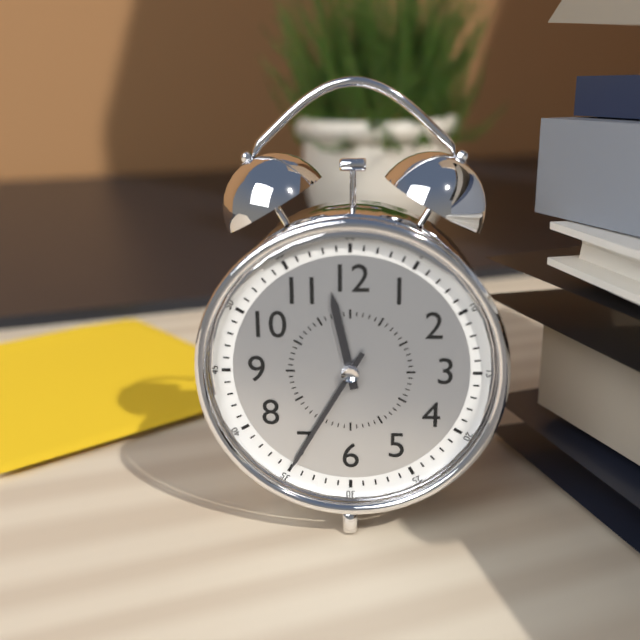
11:35
